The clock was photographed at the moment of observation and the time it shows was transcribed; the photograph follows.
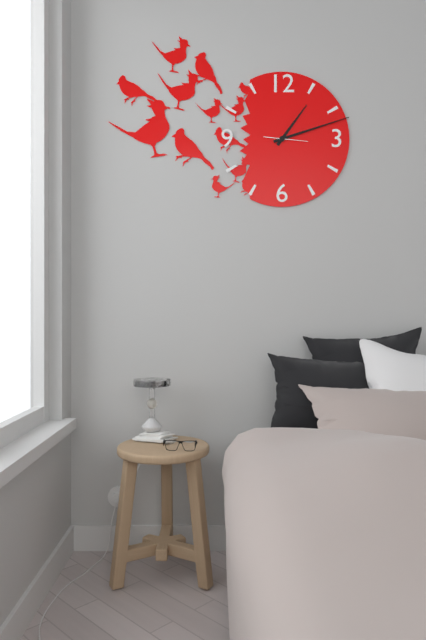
1:12
